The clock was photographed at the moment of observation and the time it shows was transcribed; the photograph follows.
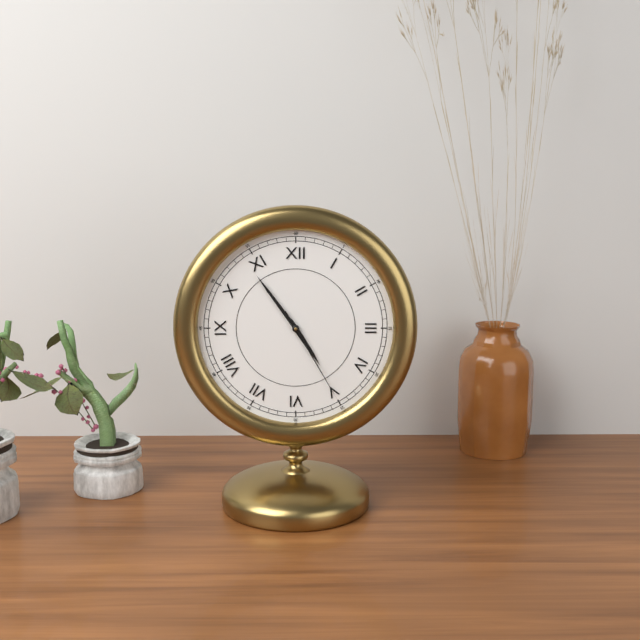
4:54:25
